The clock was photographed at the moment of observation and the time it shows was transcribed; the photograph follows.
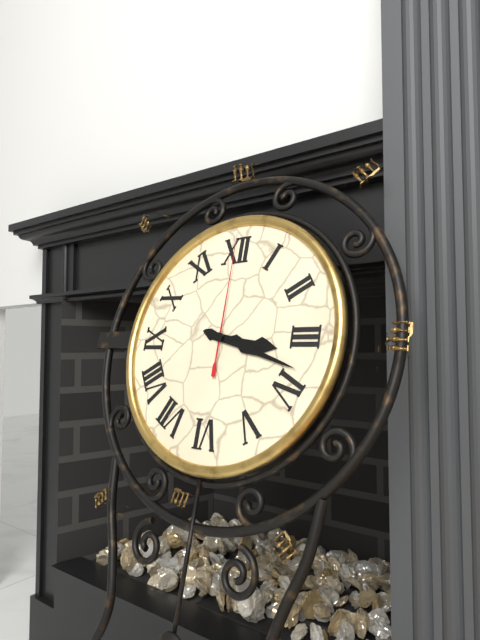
3:18:00
